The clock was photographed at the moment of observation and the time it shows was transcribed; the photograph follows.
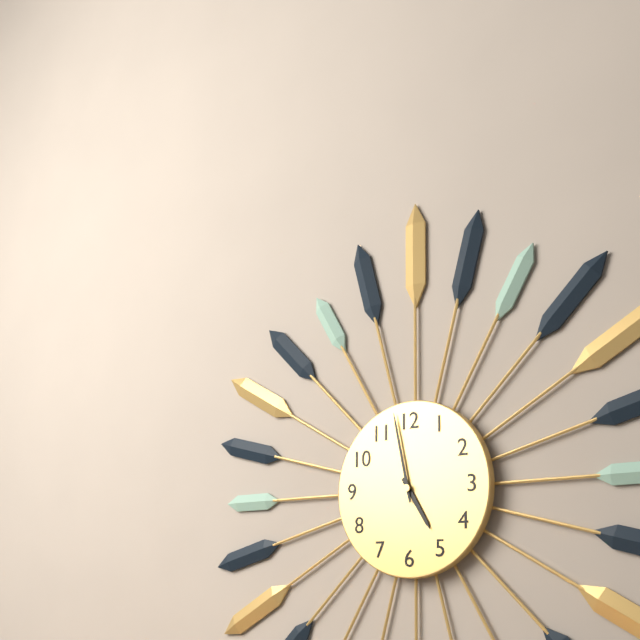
4:58
